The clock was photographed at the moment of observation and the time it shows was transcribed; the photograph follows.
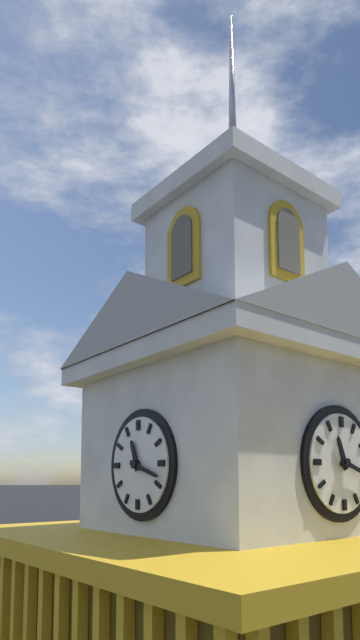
11:18
